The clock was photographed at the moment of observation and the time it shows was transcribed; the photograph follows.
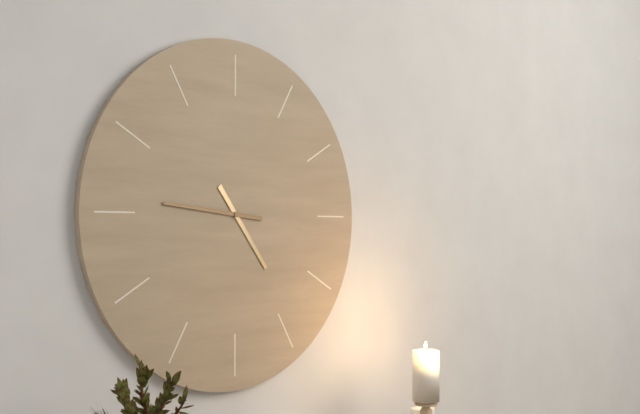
4:46
